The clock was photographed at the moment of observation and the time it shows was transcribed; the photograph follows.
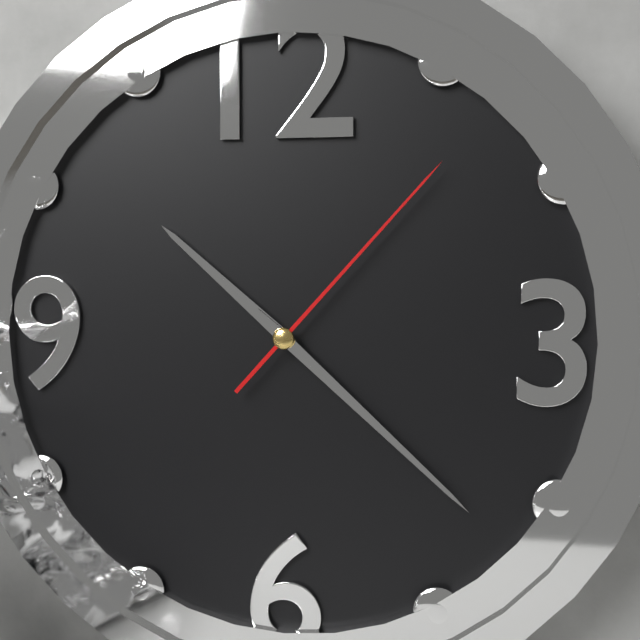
10:22:07
